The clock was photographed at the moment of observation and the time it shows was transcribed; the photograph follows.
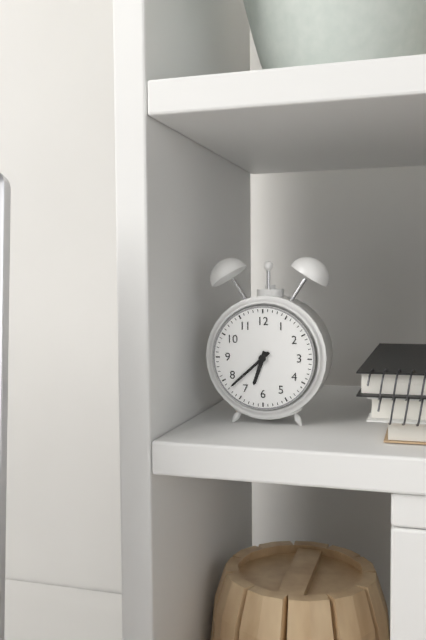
6:38
